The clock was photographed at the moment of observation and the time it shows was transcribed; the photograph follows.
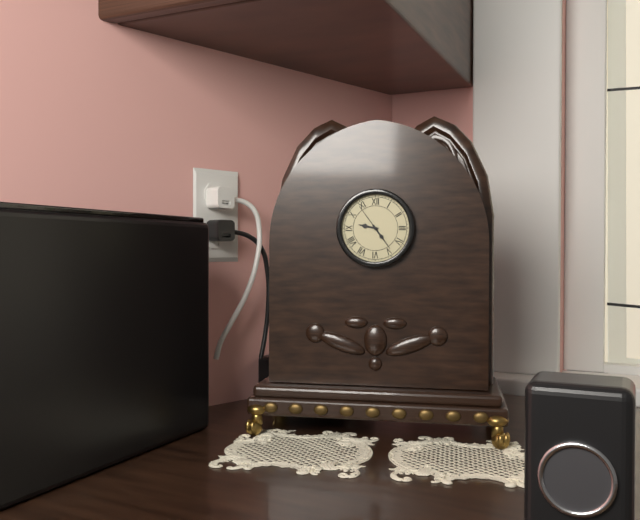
9:24
